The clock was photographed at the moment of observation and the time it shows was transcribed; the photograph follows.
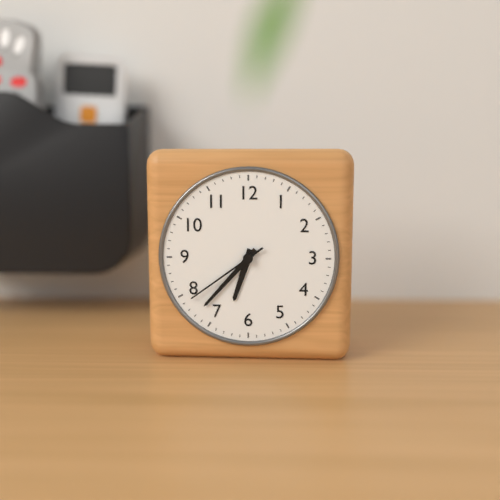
6:37:39
